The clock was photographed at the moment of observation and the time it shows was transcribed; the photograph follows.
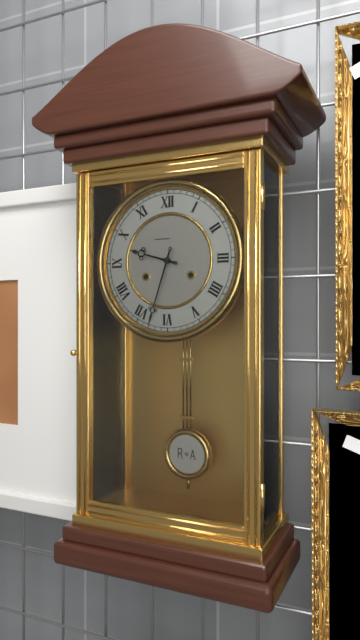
9:33
